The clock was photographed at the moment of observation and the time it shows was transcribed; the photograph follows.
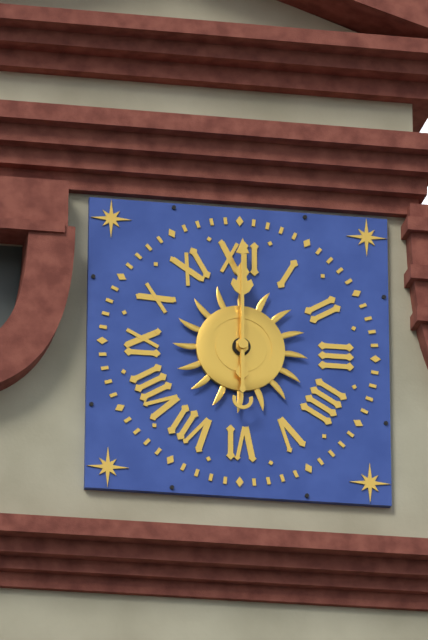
12:00
